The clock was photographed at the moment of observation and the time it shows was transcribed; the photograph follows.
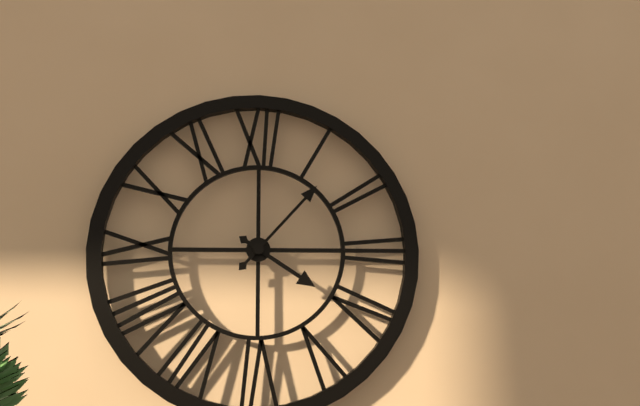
4:07
